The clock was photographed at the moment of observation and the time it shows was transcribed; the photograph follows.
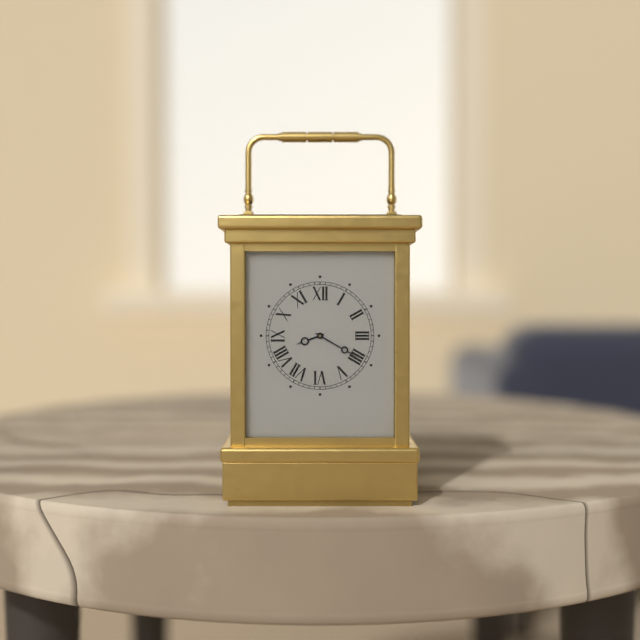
8:20
